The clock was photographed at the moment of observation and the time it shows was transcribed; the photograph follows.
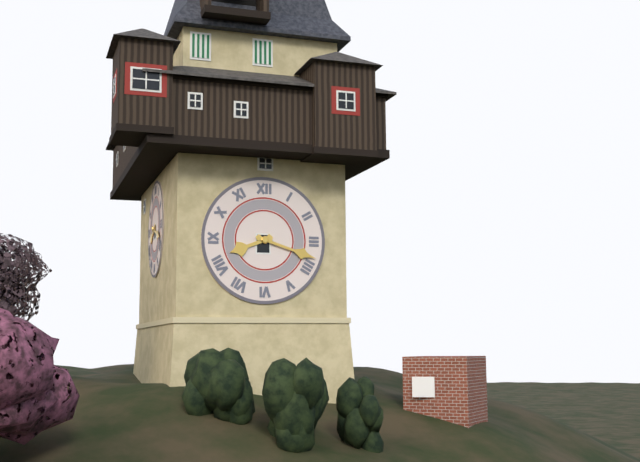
8:18
